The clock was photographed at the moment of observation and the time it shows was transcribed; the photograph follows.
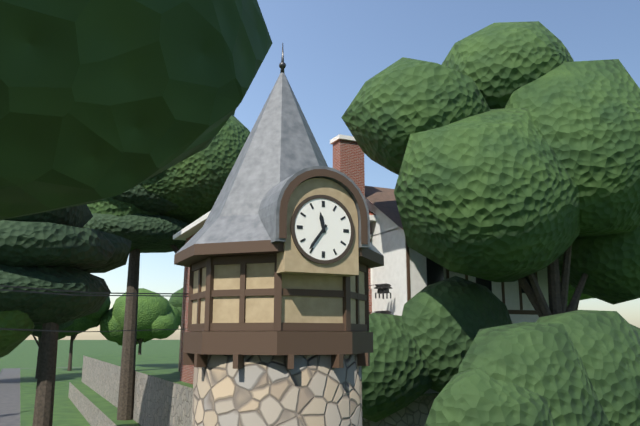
11:36
